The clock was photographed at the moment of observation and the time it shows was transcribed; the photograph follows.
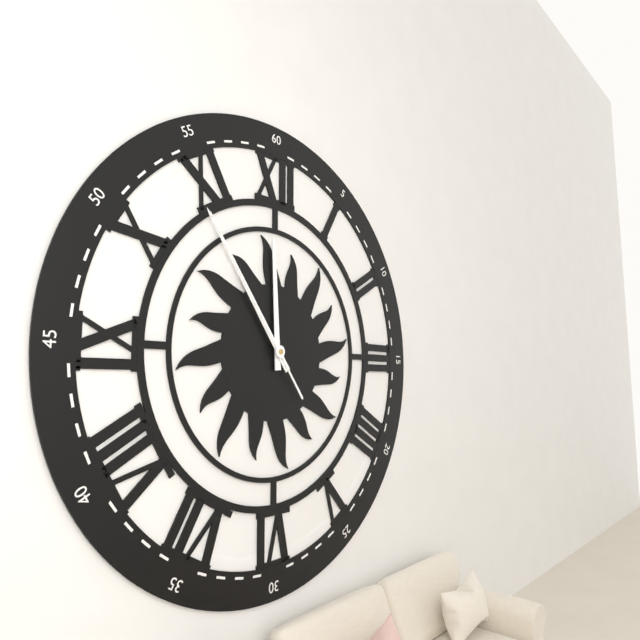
11:54:54
